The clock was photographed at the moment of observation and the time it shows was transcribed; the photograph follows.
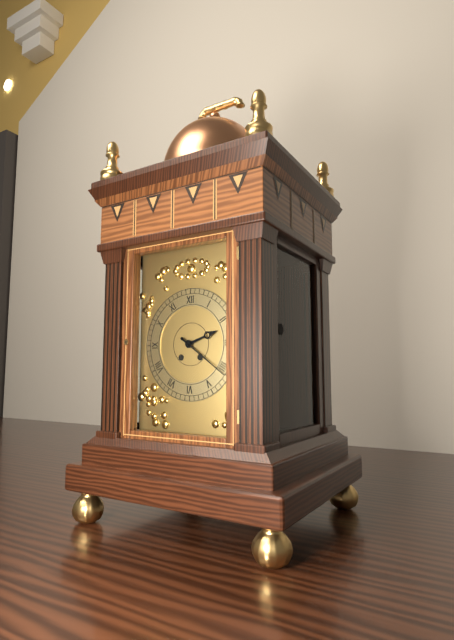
2:21
